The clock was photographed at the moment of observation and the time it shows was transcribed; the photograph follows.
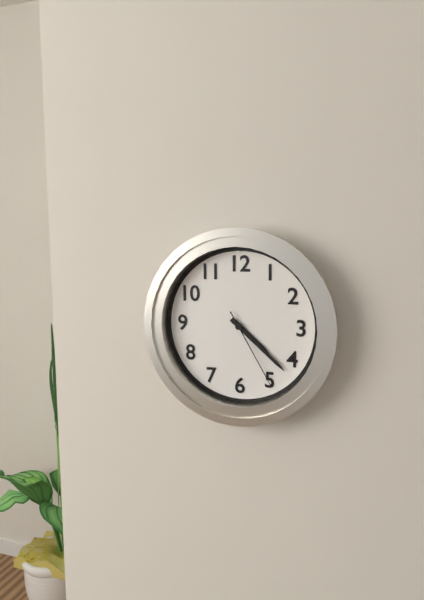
4:22:25
